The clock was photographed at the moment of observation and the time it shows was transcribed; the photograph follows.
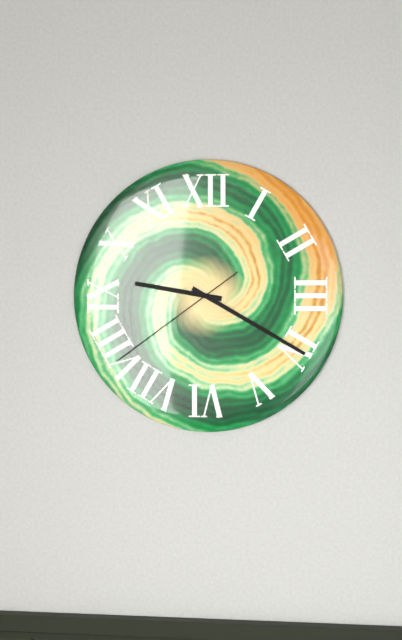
9:20:39
